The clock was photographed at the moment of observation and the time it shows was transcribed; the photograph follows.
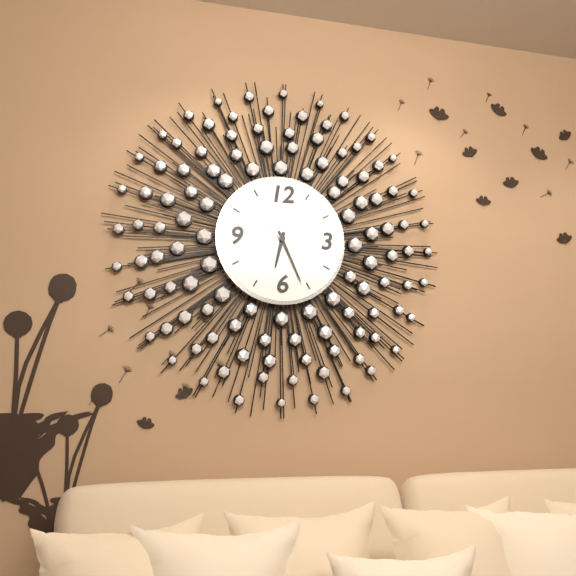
6:26:51
